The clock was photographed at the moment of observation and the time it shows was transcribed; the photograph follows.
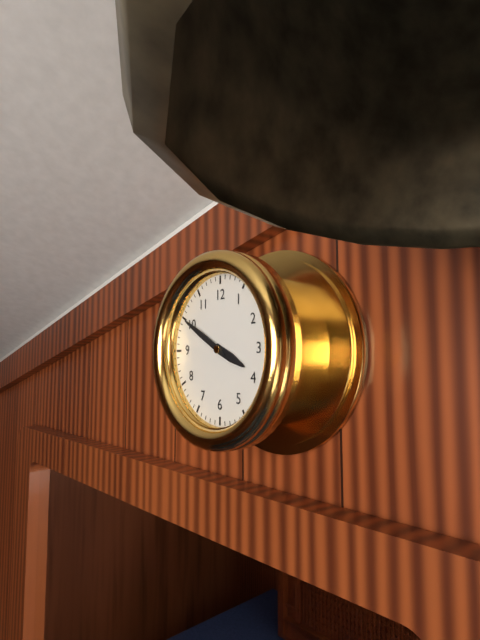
3:50
